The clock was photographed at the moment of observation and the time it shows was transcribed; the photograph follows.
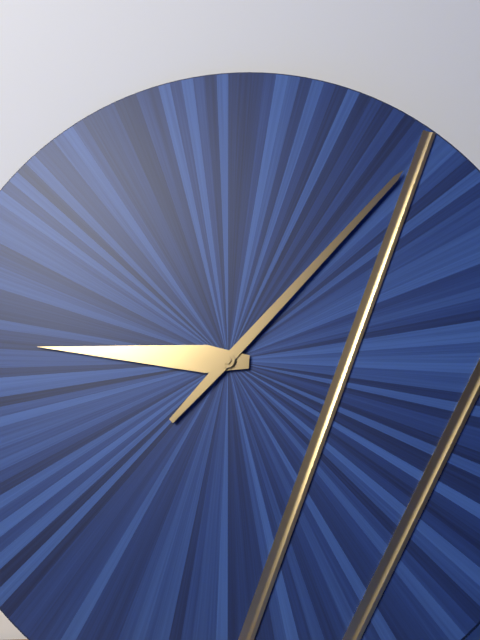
9:07
